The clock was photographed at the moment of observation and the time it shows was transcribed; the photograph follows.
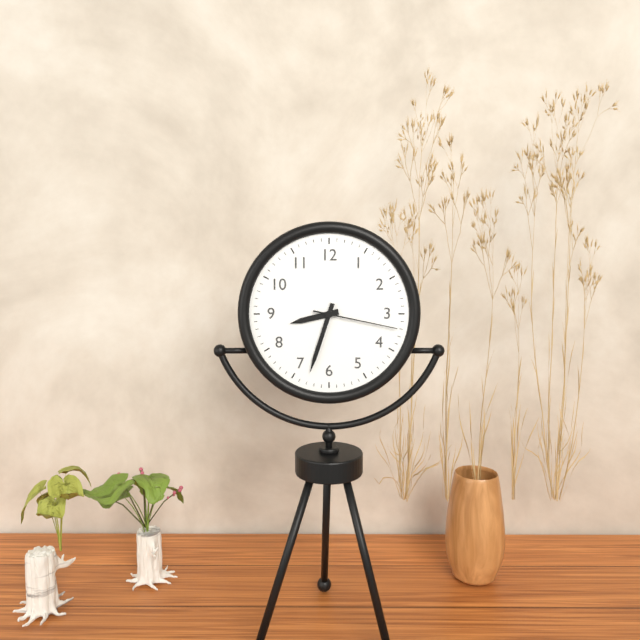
8:33:17
